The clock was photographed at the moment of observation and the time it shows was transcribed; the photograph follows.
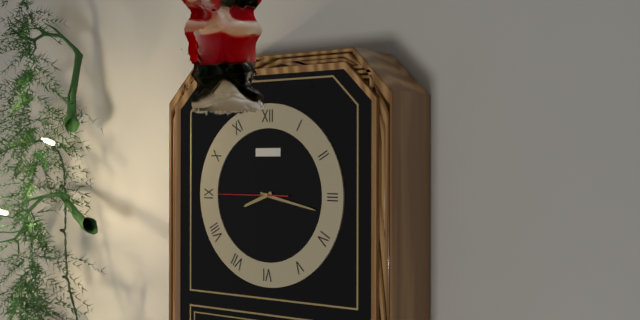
8:17:45
